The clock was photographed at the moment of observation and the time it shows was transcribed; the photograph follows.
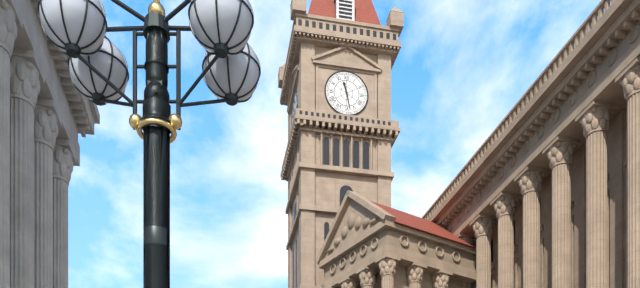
11:28
